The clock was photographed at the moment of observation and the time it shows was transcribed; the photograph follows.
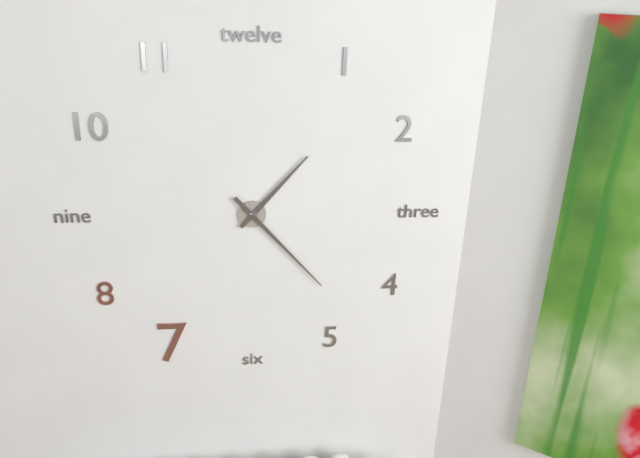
1:23
